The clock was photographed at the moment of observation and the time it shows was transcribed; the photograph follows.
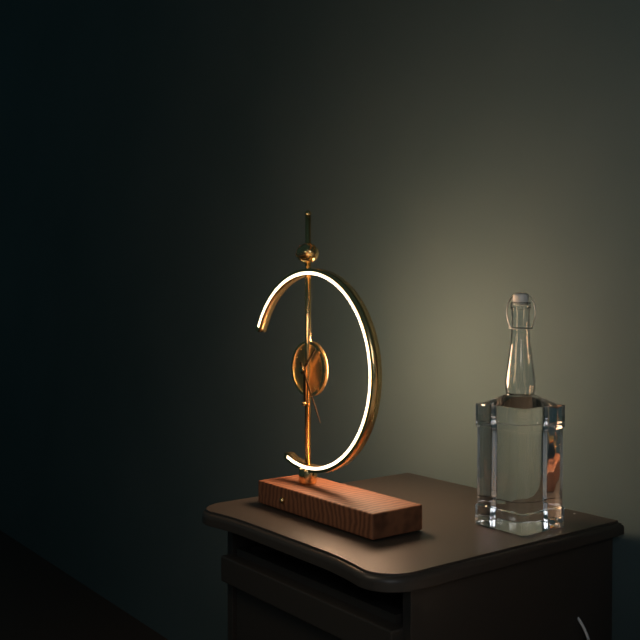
1:25
